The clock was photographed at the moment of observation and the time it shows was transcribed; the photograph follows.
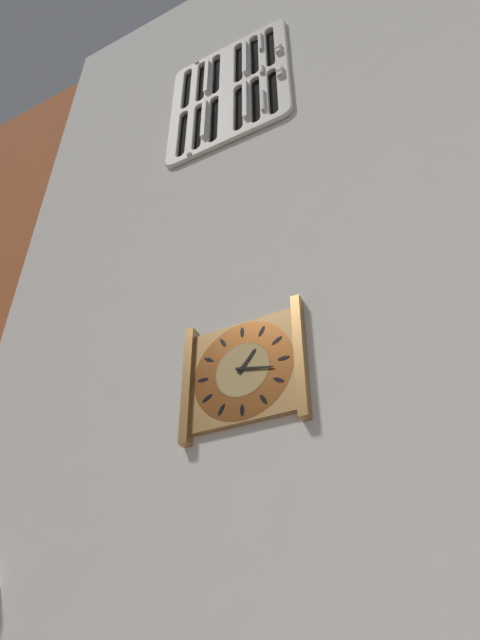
1:17
